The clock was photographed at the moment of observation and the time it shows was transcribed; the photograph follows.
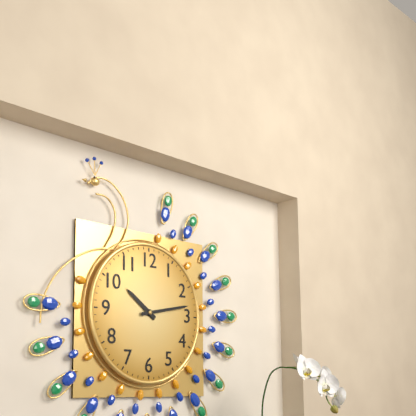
10:13
